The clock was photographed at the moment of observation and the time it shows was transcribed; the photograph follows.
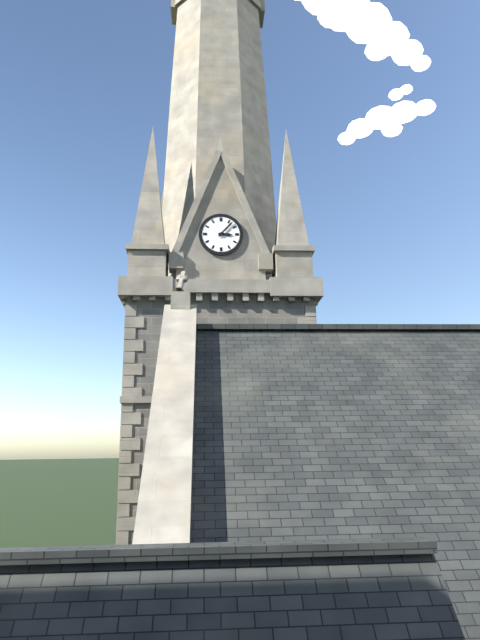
3:07
